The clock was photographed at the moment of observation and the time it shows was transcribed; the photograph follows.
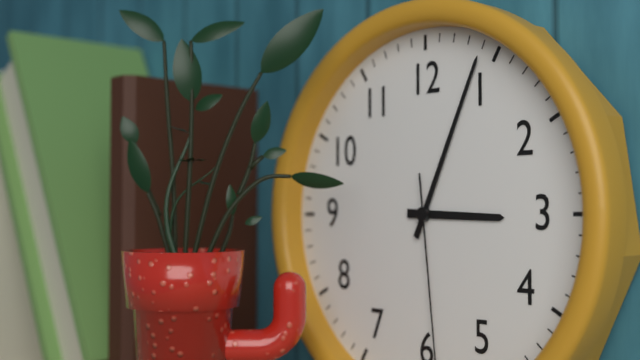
3:04
